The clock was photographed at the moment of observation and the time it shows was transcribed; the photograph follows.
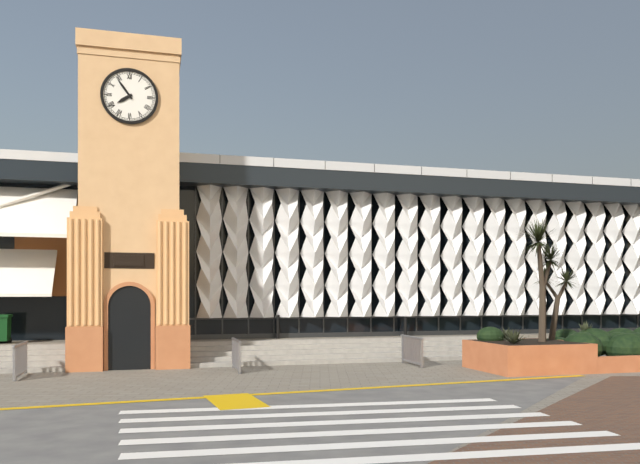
7:54
